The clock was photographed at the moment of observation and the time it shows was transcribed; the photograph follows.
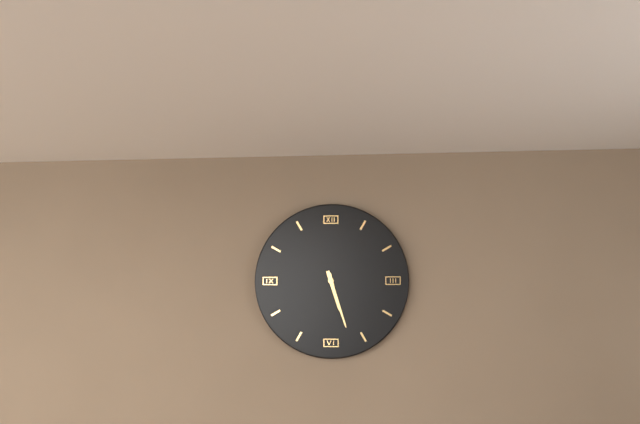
5:27
